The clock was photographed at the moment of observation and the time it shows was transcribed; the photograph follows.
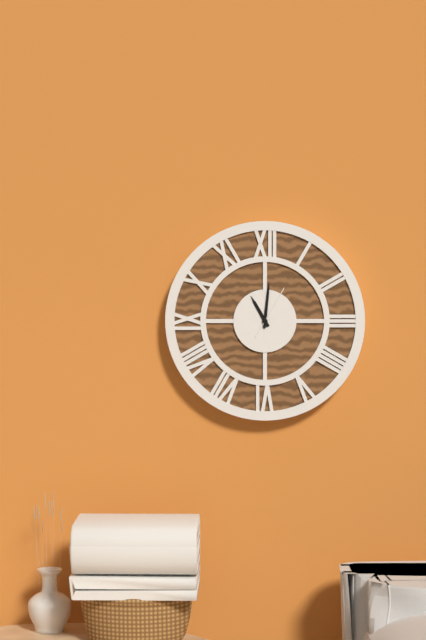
11:01
